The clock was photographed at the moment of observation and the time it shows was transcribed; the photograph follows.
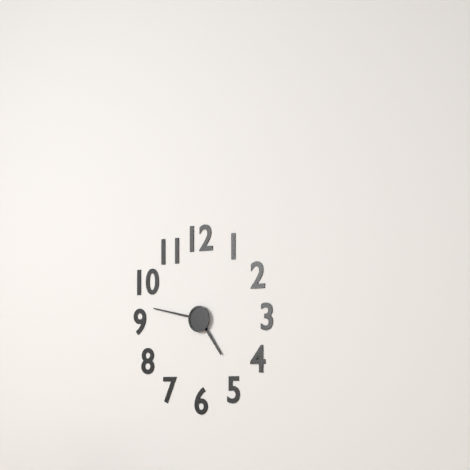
4:47
